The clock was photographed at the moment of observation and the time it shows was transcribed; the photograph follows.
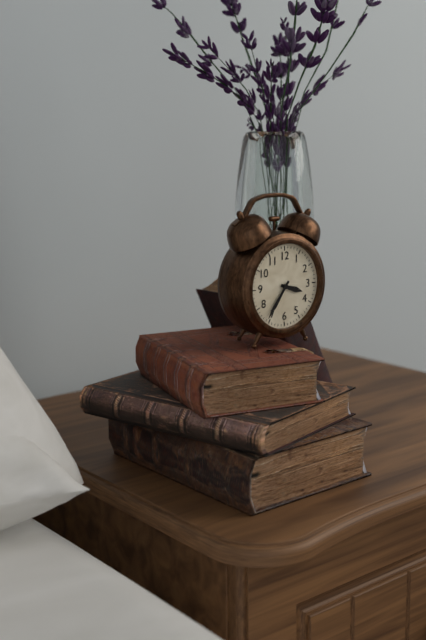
3:36
